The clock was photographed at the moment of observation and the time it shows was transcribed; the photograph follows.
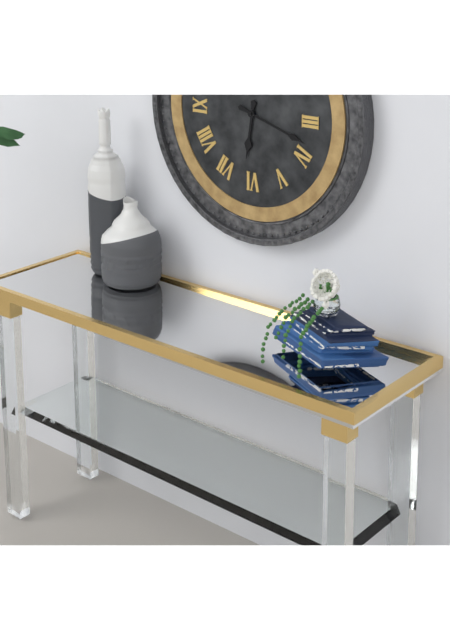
6:18
